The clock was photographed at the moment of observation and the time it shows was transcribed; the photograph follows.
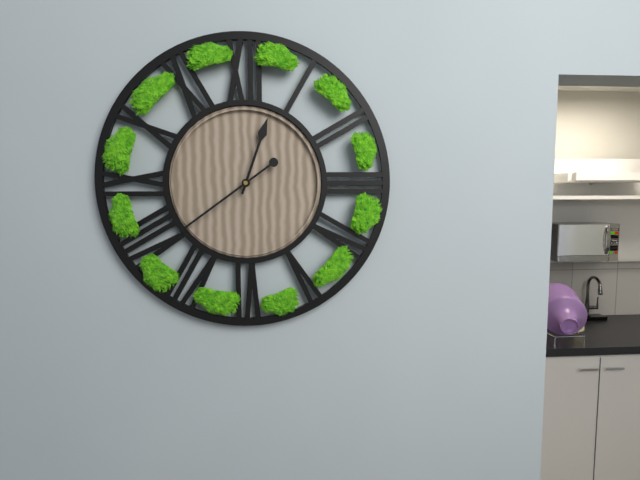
12:39
